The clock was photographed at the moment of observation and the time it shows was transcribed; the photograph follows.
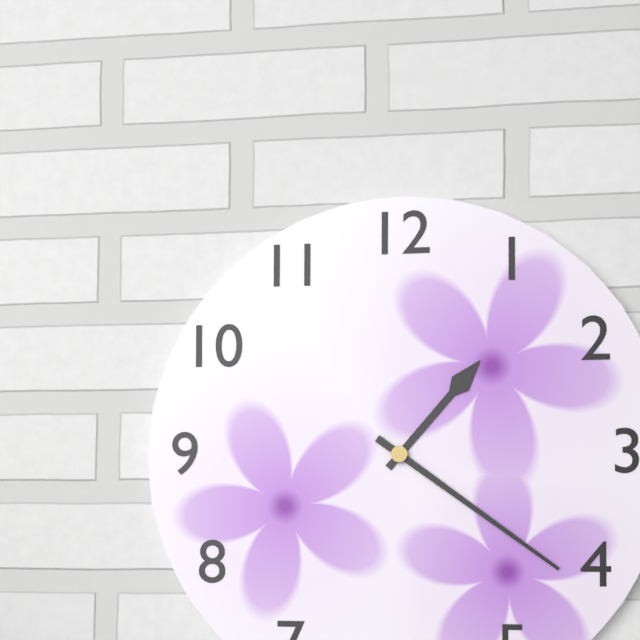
1:21
